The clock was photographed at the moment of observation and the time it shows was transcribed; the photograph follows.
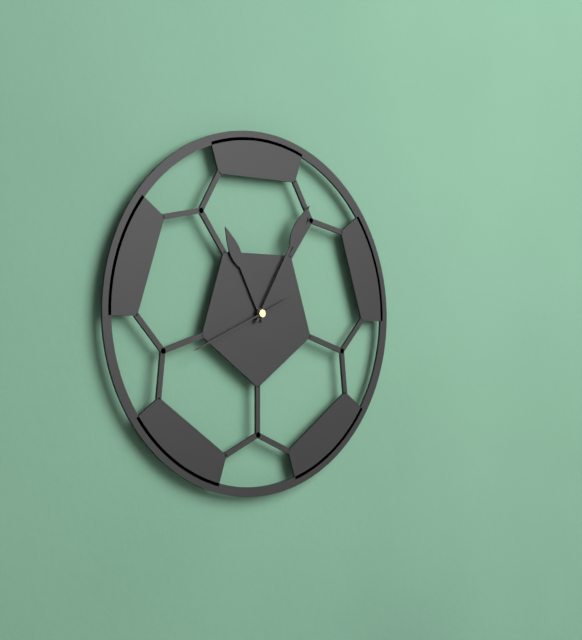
11:05:41
